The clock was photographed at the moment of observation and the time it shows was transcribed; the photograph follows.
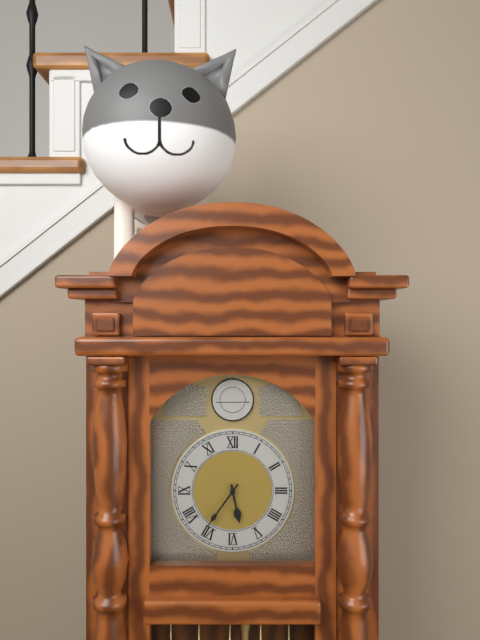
5:36
